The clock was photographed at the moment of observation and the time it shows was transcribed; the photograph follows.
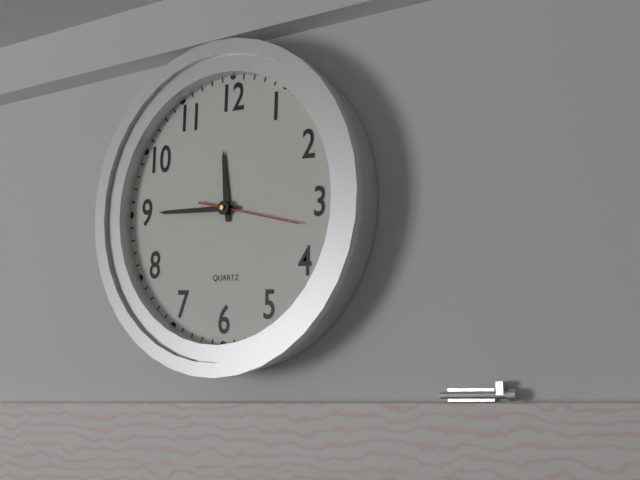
11:45:17
